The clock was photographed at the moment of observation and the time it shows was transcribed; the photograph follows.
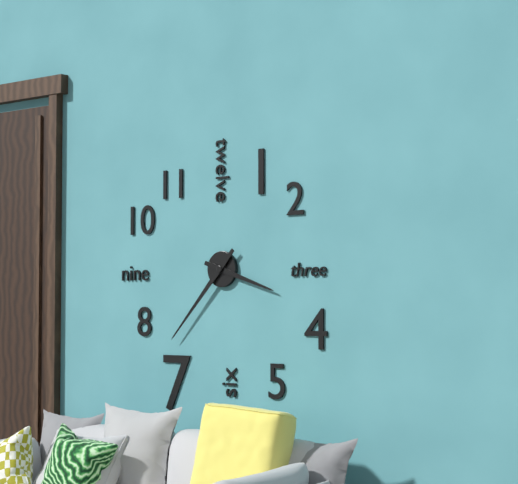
3:37
